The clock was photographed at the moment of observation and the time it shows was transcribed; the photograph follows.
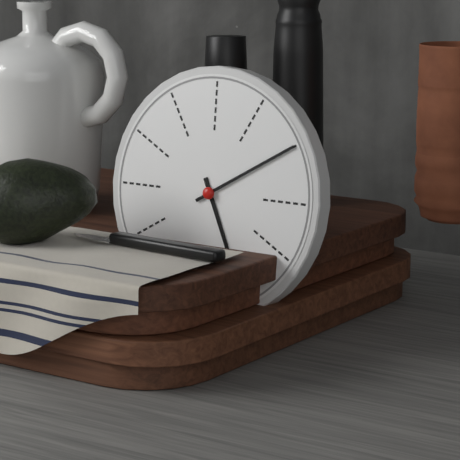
5:10
